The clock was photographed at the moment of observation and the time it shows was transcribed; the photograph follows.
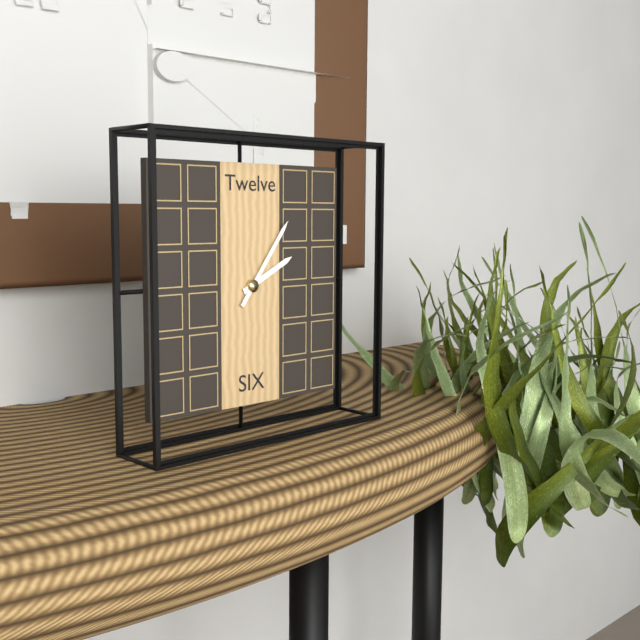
2:06
